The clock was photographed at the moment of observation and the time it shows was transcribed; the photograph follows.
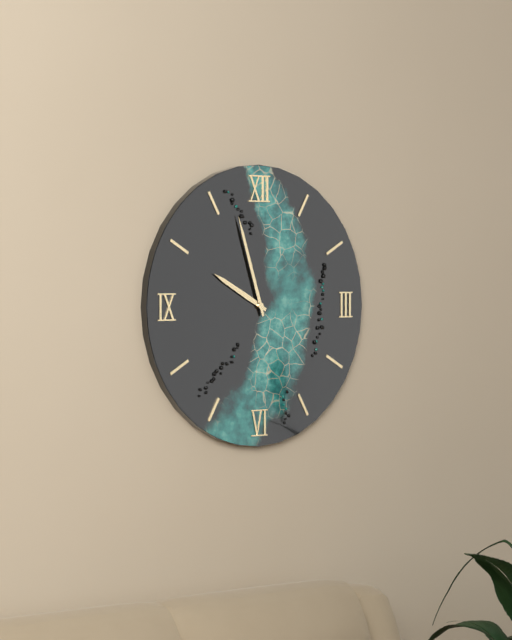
9:57
